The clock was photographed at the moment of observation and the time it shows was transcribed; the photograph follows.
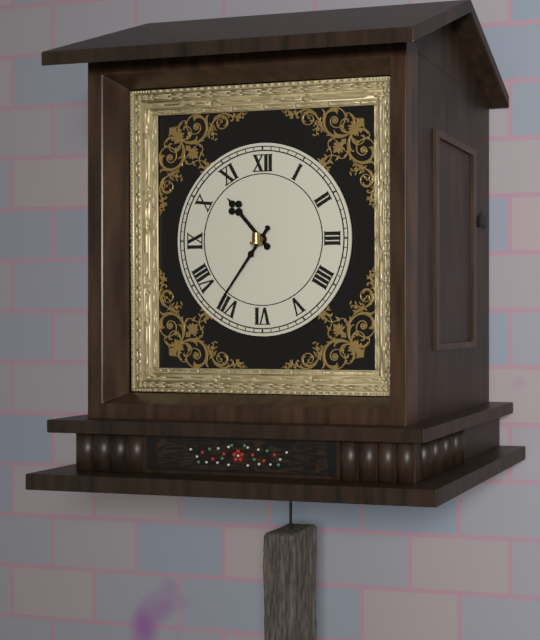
10:36
